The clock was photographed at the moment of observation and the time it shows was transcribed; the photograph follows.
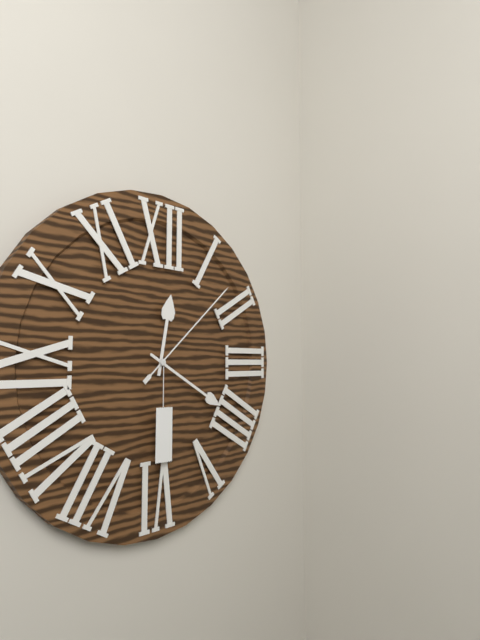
12:20:08
